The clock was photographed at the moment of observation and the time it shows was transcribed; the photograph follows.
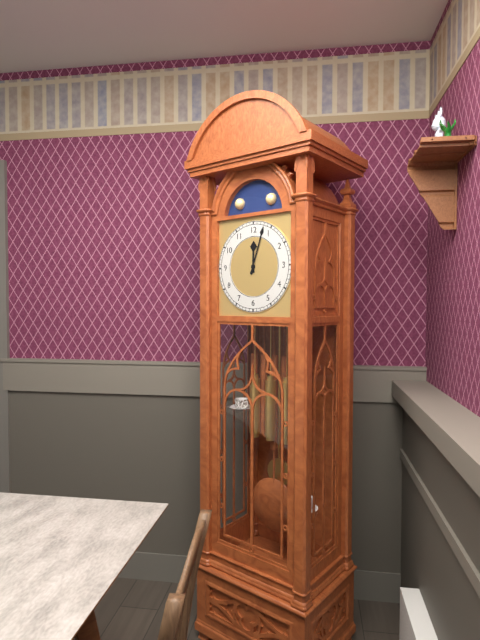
12:03
